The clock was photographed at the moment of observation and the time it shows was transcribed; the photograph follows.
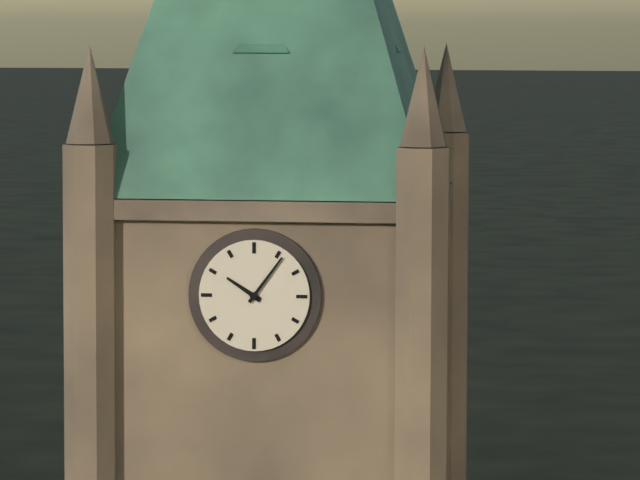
10:06
